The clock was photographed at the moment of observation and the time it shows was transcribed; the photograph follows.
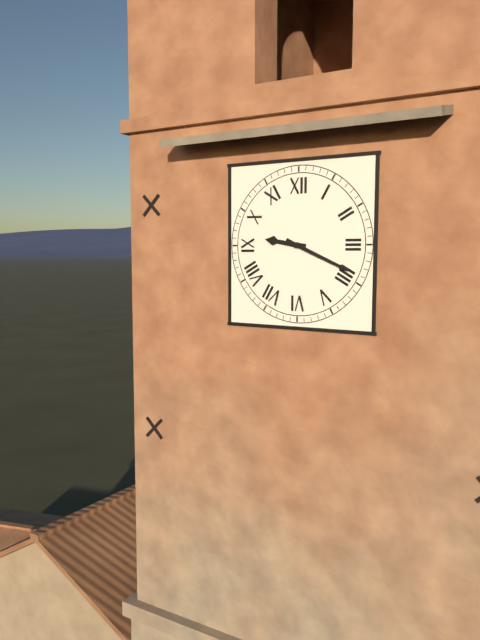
9:19
